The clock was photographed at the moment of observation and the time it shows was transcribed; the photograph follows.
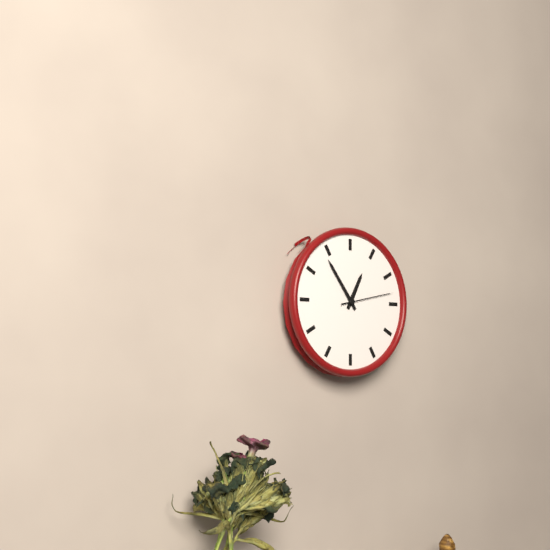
12:54:13
